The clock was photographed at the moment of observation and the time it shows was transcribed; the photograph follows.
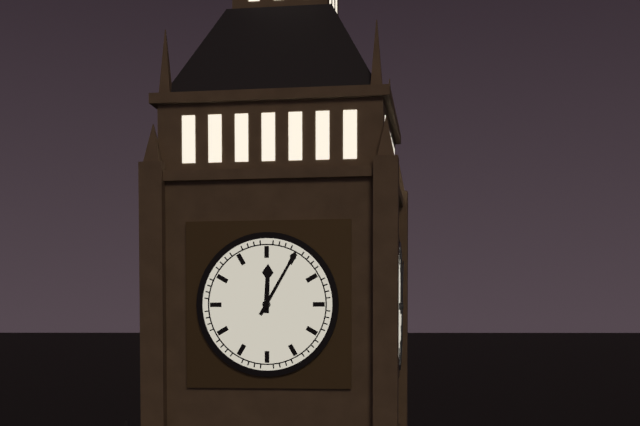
12:05
